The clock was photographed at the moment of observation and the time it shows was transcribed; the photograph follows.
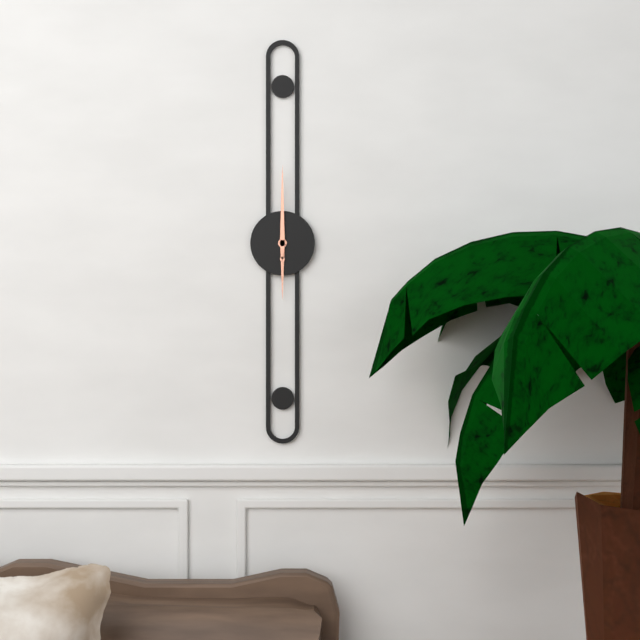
6:00
